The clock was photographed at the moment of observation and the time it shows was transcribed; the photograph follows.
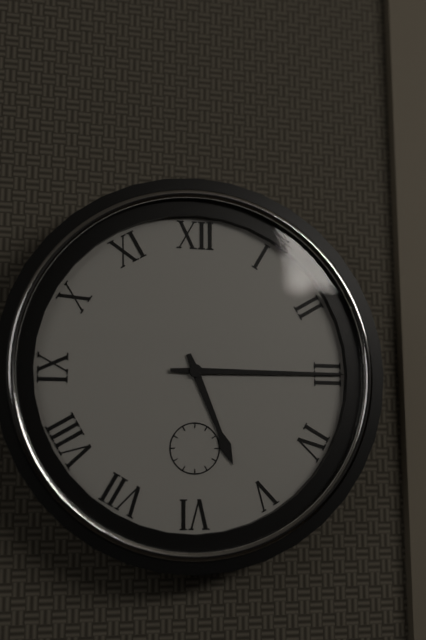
5:15
